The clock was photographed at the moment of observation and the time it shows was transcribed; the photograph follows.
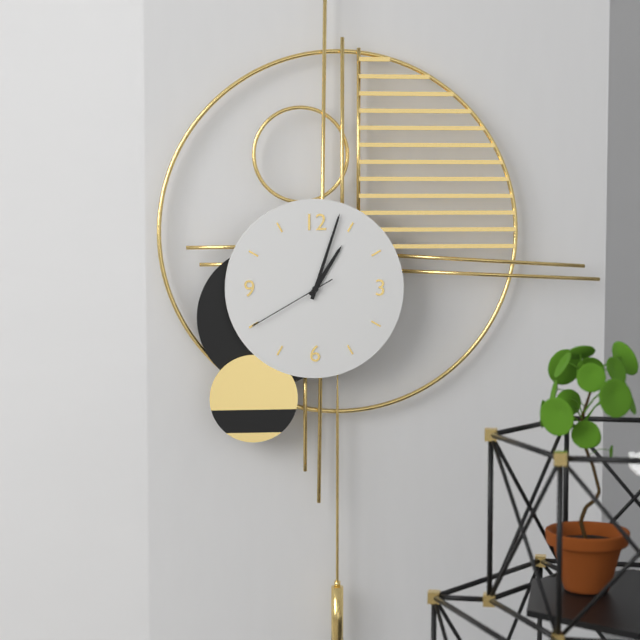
1:03:40
